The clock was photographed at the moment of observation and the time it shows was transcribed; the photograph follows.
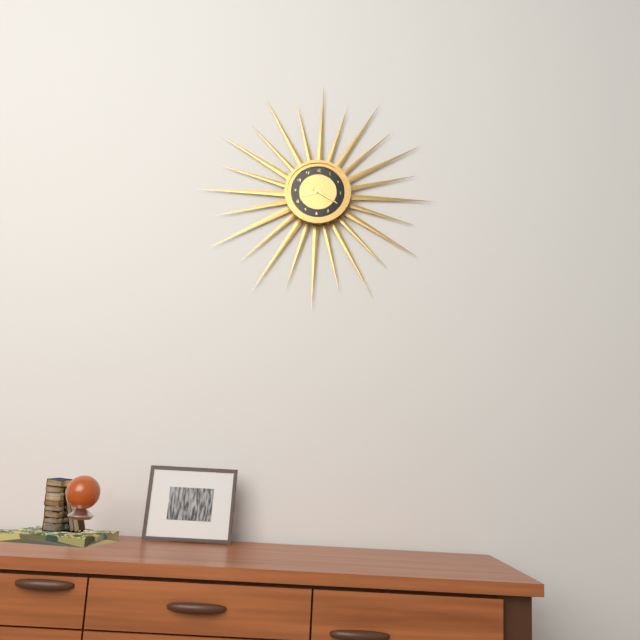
8:20
